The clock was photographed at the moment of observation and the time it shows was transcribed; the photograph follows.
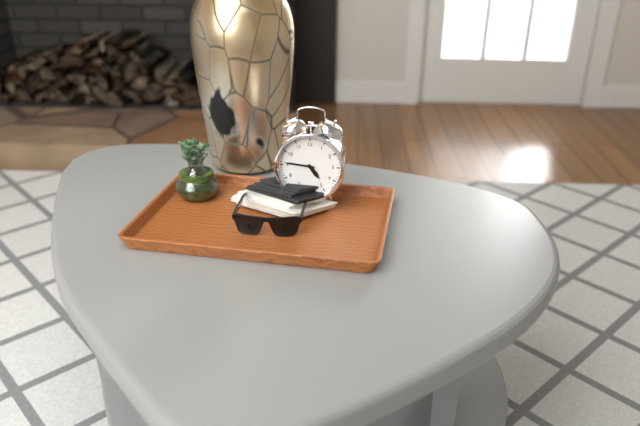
4:46
